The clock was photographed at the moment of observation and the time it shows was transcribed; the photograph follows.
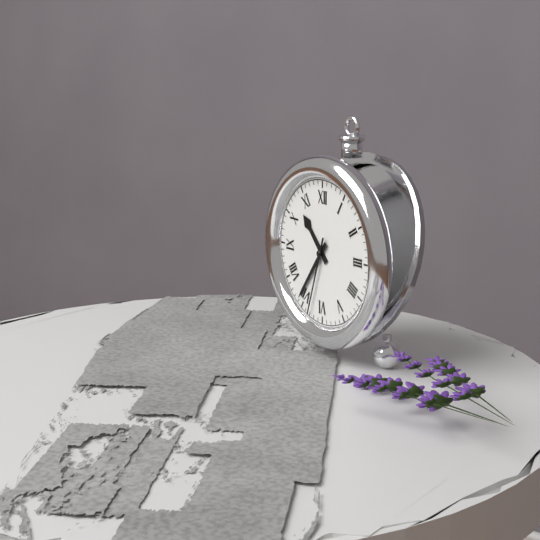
10:36:33
